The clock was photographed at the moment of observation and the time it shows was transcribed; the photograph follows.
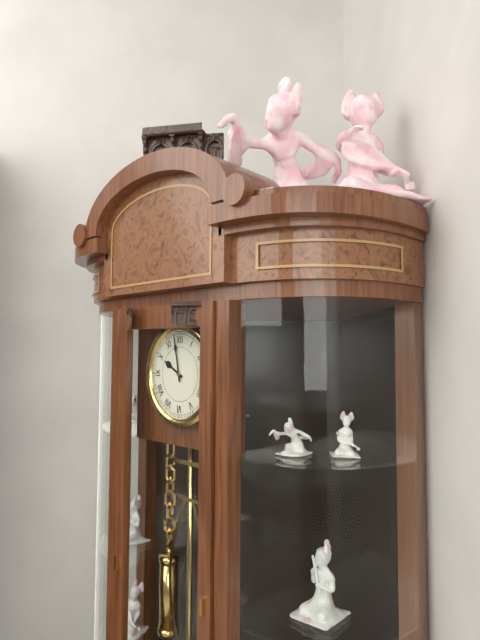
9:58
